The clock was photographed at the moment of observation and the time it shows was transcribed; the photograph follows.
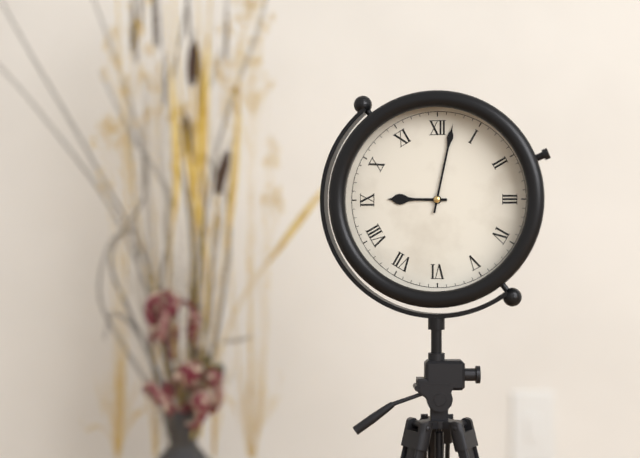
9:02
